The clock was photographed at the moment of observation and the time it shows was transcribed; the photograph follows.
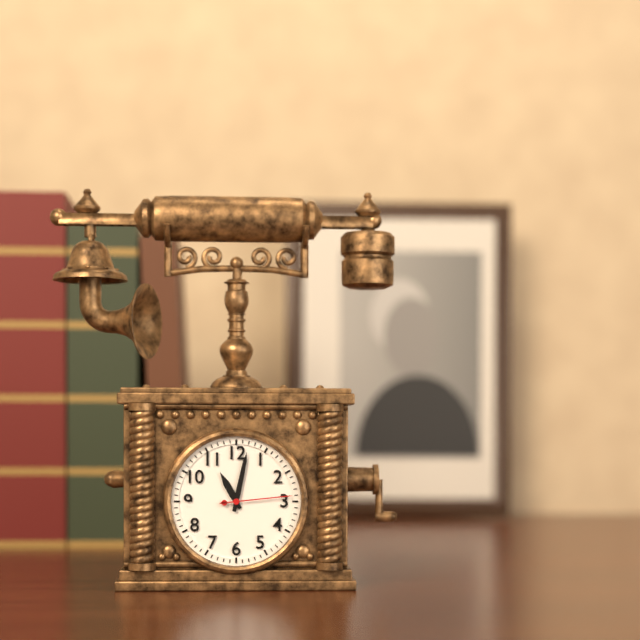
11:02:14
